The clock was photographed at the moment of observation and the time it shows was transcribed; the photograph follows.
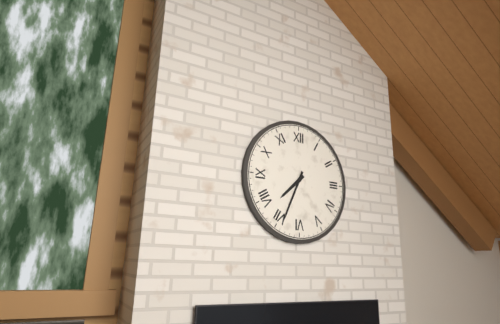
7:34
